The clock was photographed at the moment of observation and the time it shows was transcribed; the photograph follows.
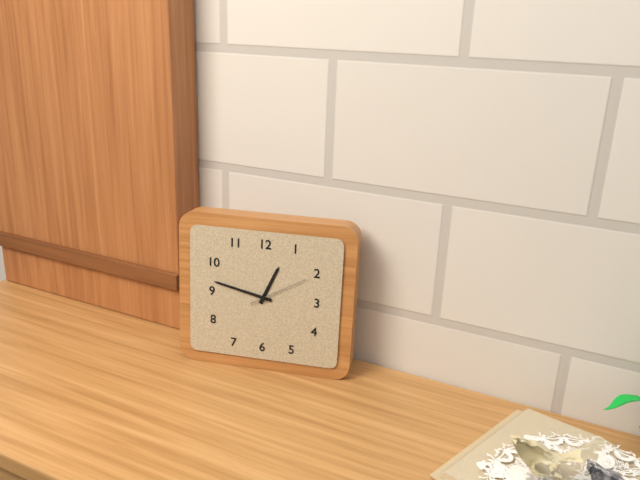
12:47:10
